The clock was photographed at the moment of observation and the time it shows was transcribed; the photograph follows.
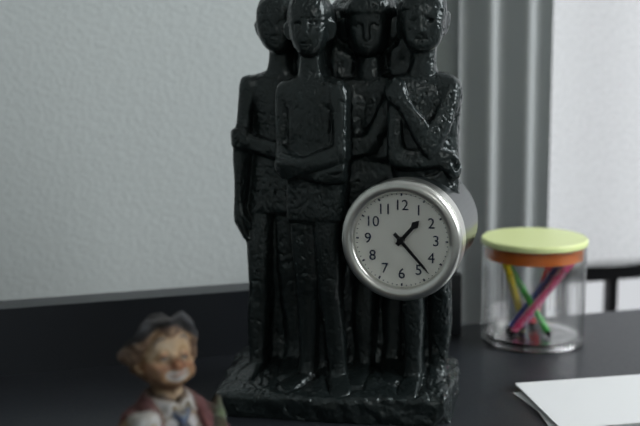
1:23
